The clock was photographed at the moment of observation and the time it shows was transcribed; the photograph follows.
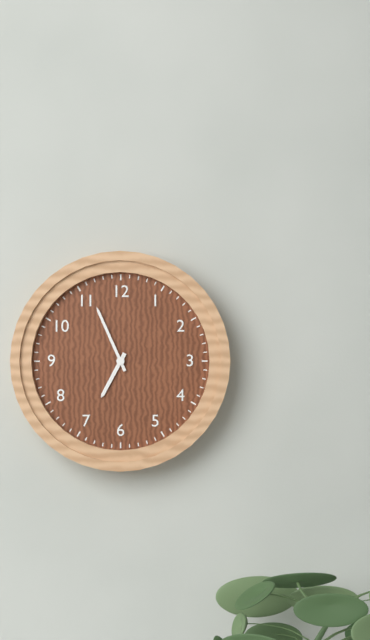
6:56
